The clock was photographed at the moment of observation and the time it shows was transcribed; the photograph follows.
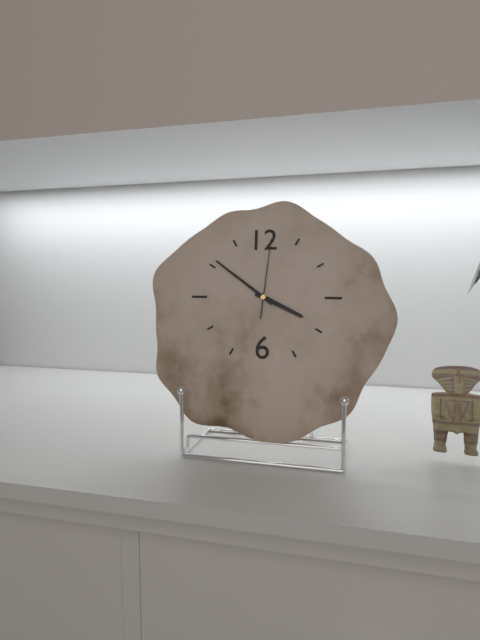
3:51:01
